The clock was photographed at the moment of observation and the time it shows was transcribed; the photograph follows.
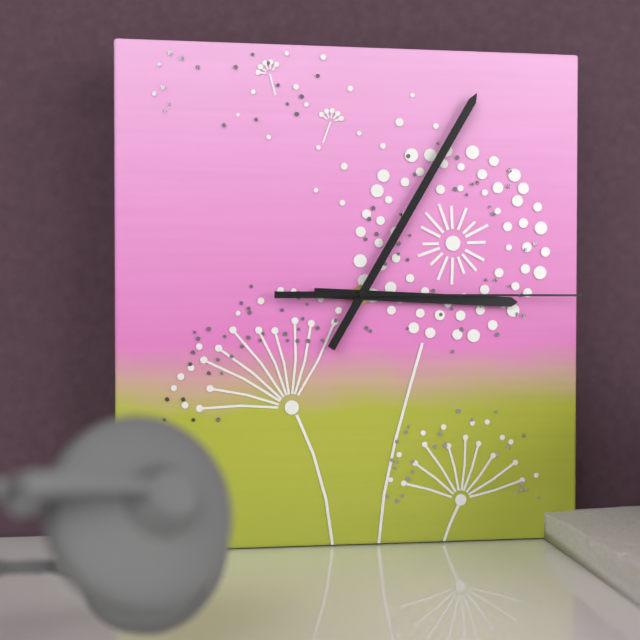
3:05:15
